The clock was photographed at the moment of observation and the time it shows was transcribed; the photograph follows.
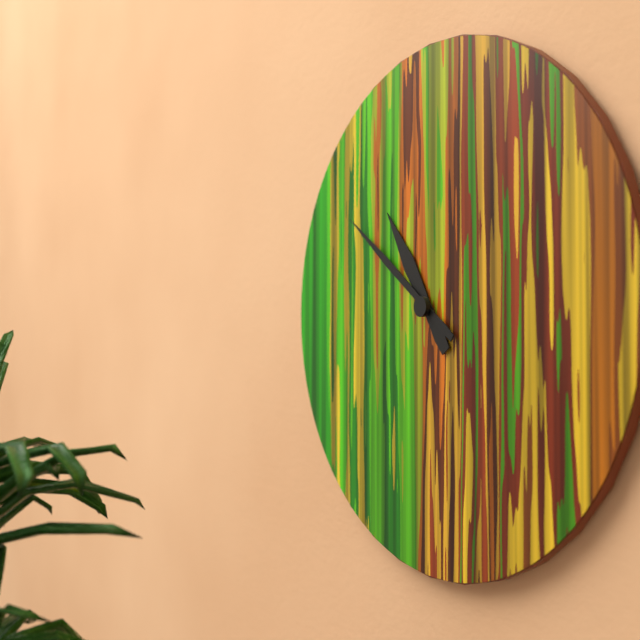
10:51
